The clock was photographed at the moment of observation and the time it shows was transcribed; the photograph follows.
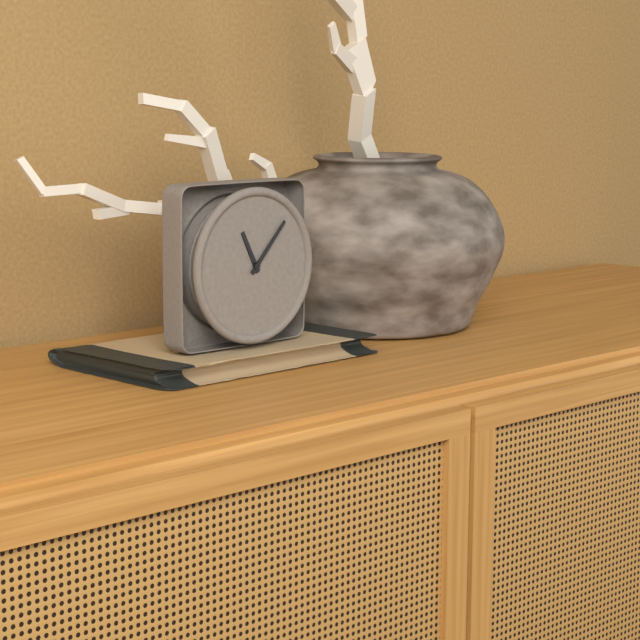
11:07
